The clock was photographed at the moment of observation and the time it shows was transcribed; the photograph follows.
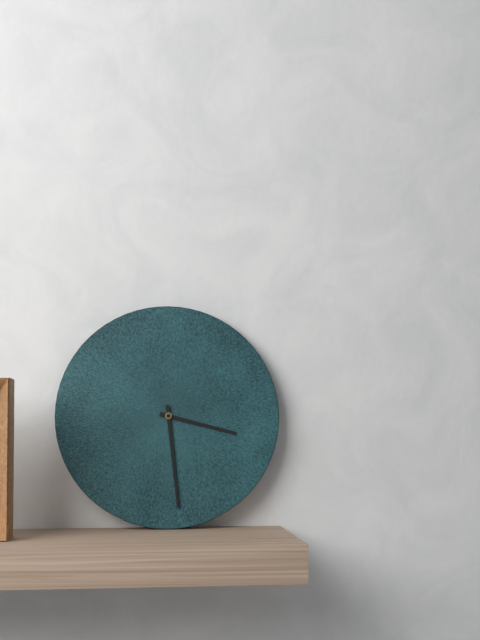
3:29
